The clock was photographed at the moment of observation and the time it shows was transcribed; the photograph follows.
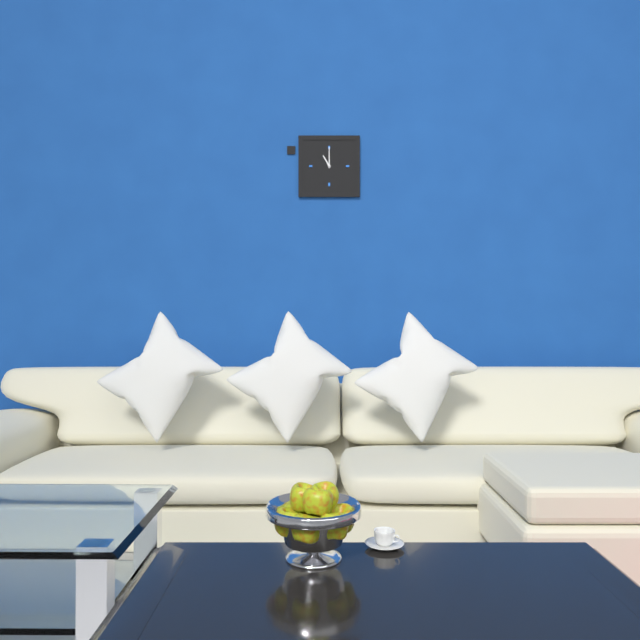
11:00
